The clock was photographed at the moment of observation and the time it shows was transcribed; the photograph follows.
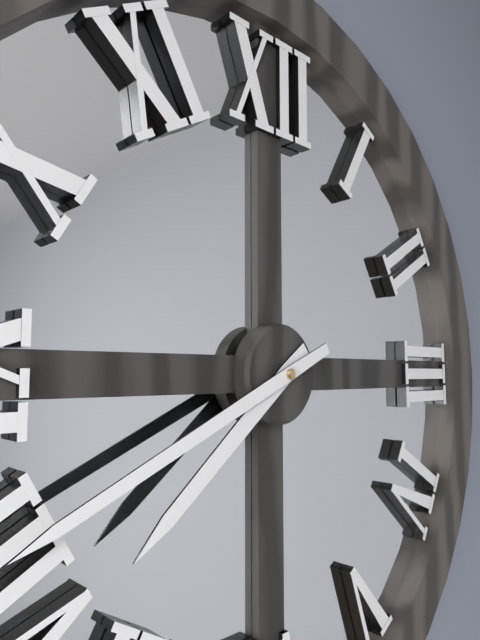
7:41
